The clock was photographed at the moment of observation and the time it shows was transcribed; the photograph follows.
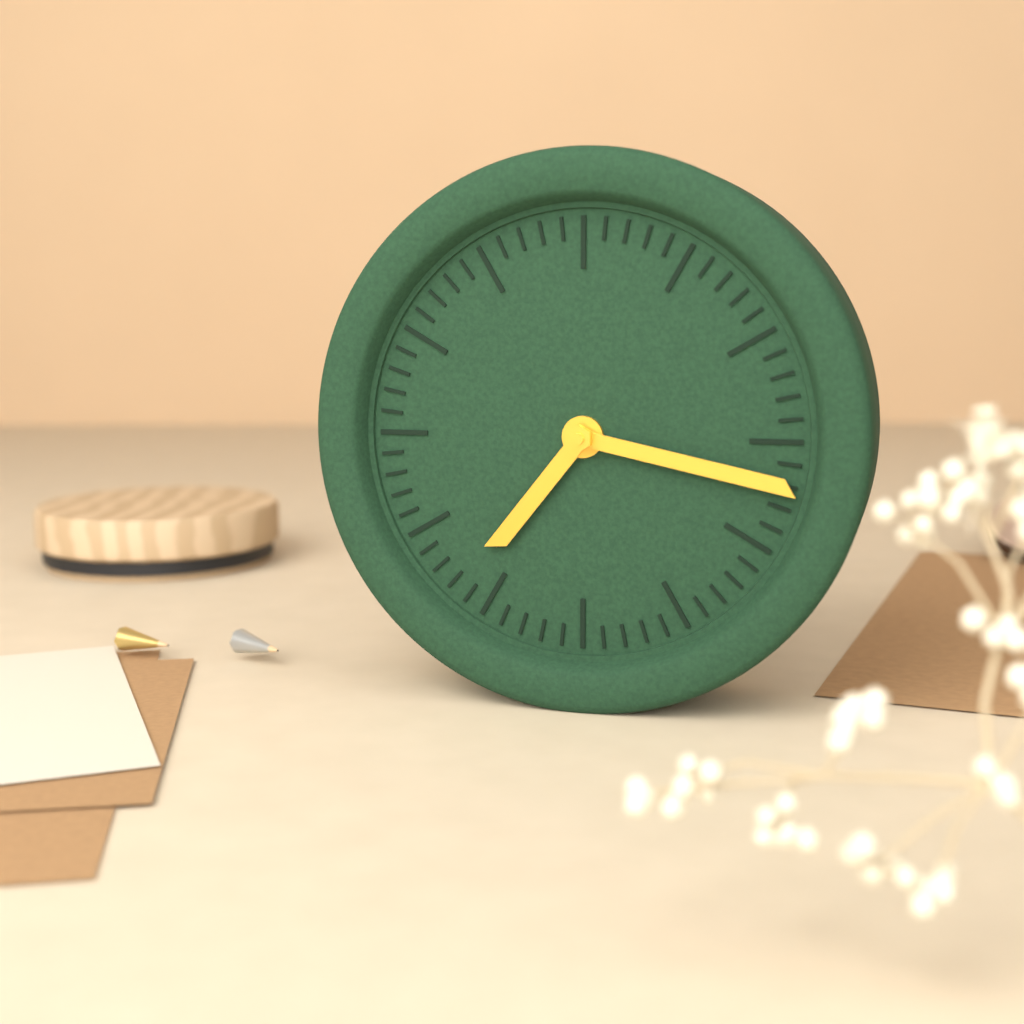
7:17
